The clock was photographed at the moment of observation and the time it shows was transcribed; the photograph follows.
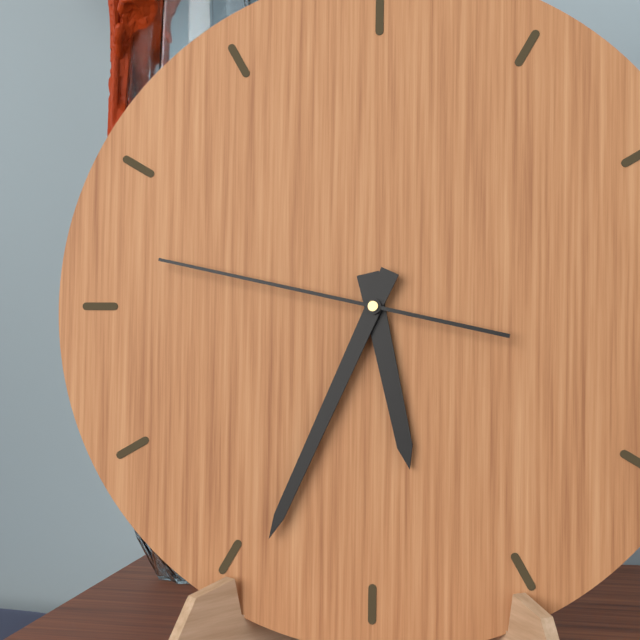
5:34:47
